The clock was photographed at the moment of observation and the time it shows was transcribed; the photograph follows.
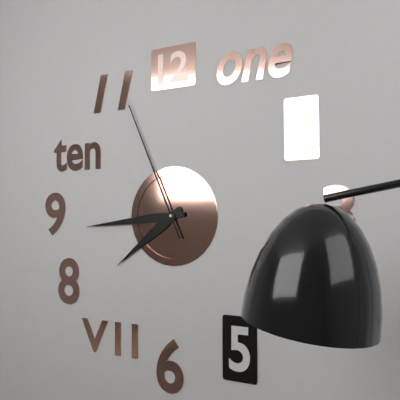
7:44:56
